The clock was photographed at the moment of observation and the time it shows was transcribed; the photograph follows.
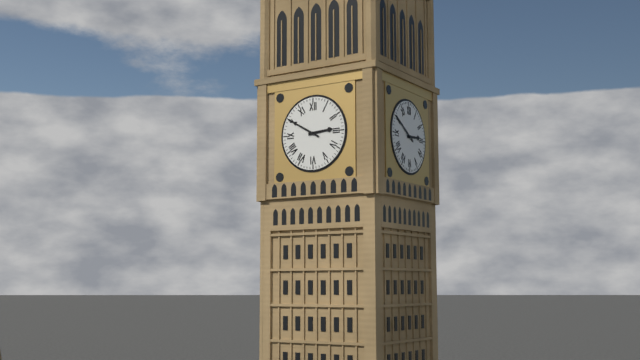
2:50
